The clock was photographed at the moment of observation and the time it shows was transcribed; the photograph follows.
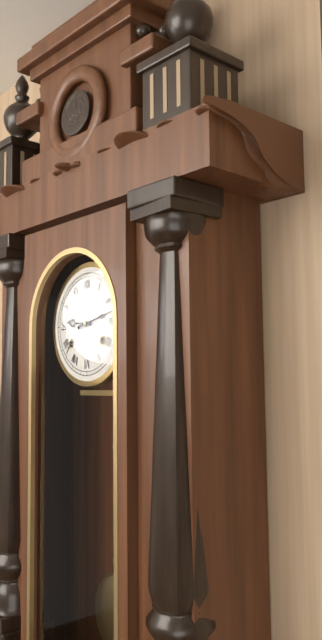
9:13
